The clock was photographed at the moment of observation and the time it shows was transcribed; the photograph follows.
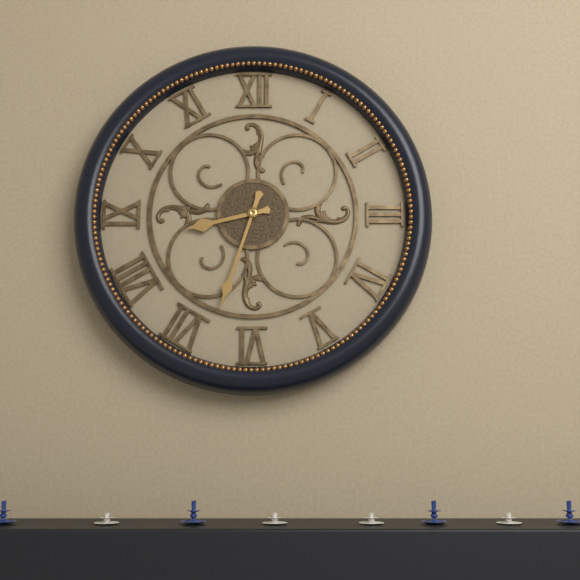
8:33
